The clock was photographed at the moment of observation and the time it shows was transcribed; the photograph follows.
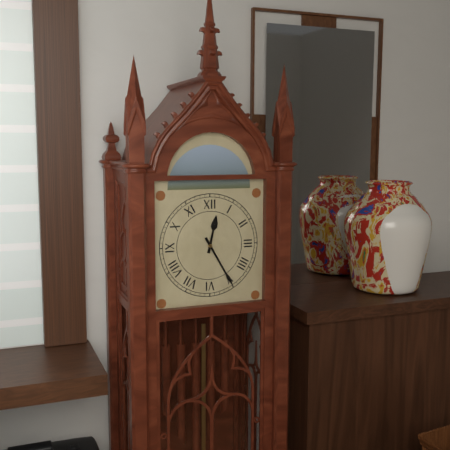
12:25
